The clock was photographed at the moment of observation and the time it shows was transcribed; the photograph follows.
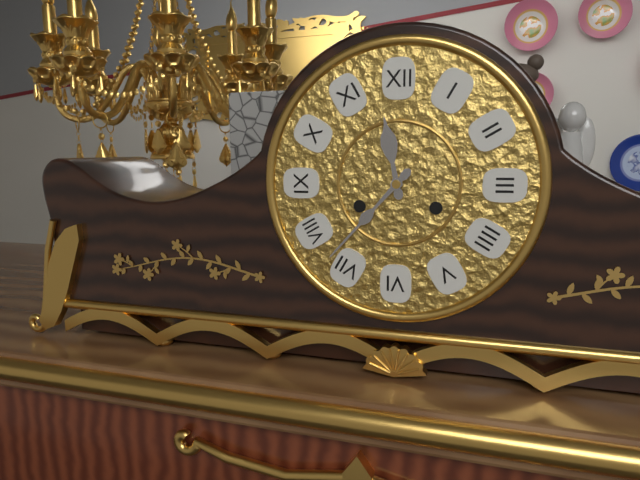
11:37
